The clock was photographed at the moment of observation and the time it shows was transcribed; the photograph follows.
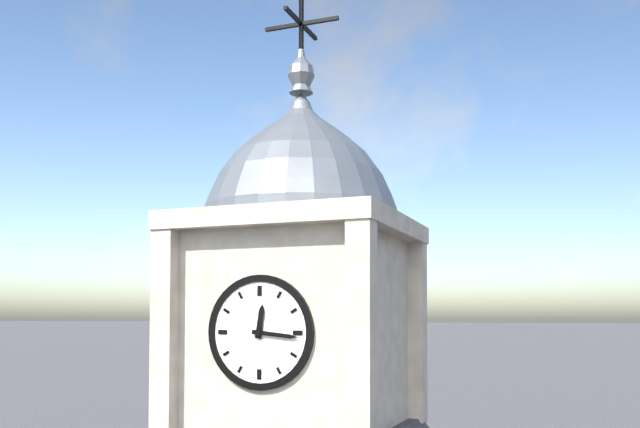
12:16
